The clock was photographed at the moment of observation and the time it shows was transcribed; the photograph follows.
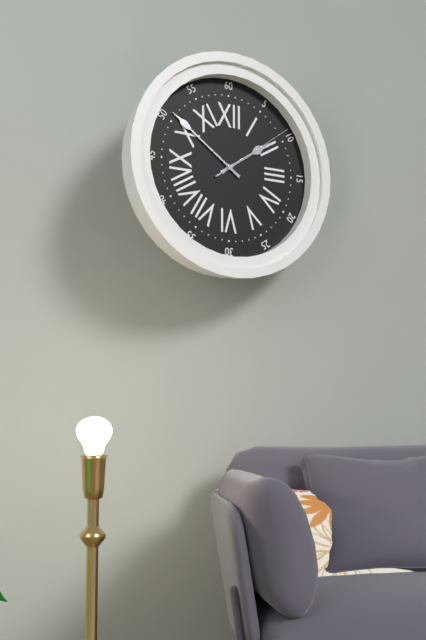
1:51:09
